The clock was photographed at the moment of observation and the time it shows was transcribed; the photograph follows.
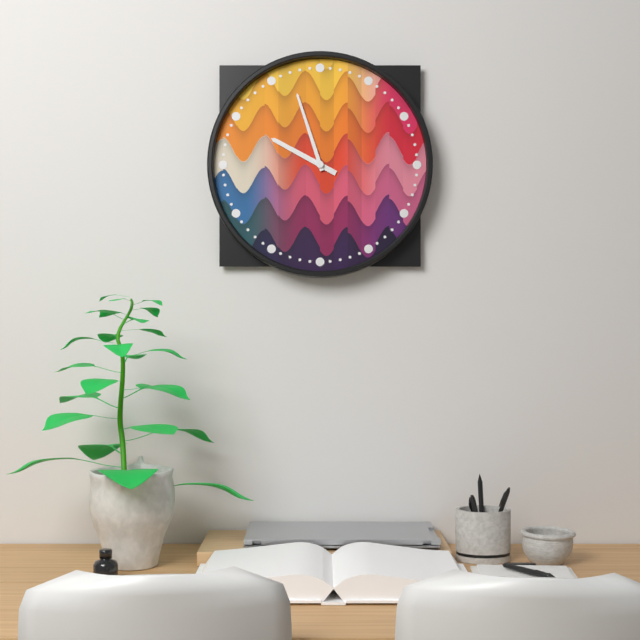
9:57
